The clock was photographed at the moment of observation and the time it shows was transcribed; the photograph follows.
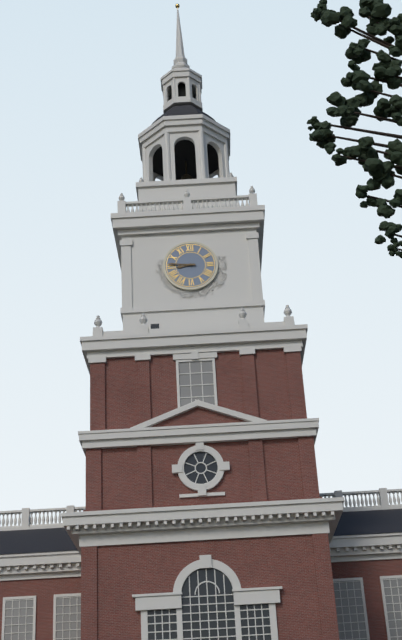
8:46
